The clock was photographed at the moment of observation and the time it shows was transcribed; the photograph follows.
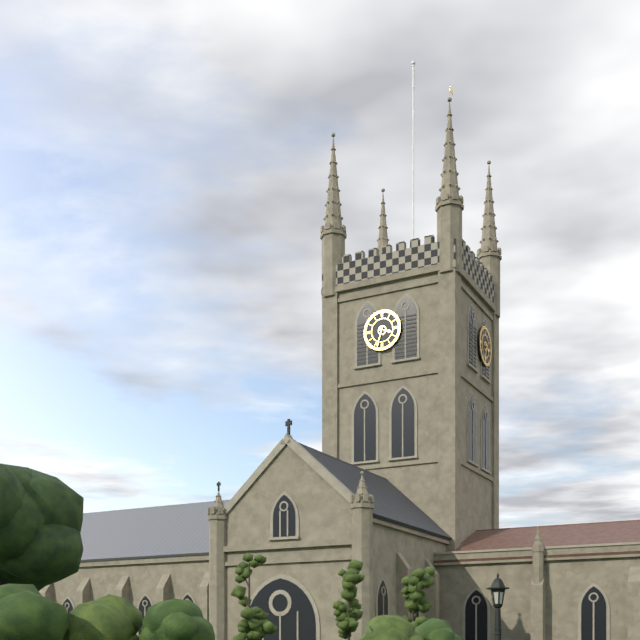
3:33
